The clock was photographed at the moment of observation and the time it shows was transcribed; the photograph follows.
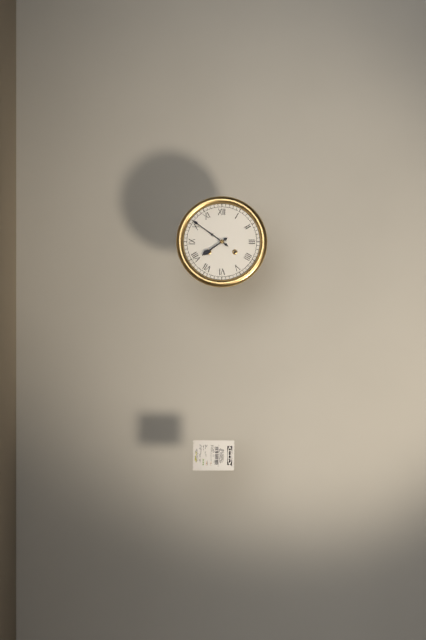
7:51
